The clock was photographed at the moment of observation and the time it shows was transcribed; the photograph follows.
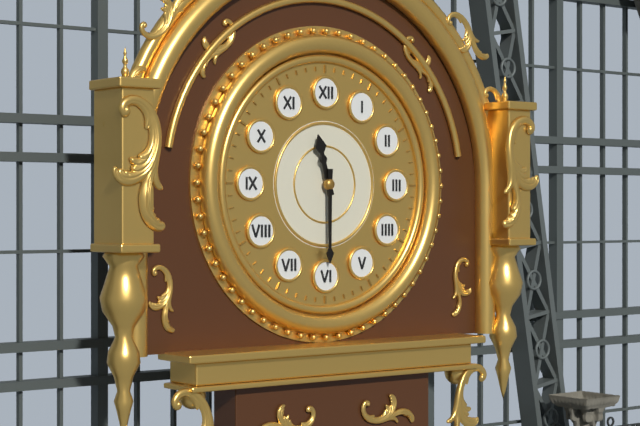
11:30
